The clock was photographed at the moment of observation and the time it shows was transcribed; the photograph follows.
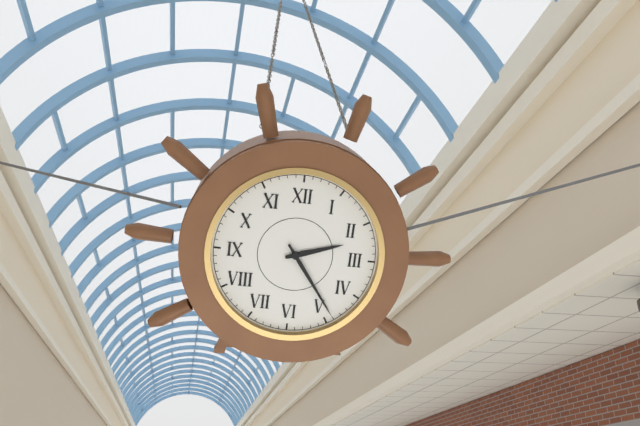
2:24
